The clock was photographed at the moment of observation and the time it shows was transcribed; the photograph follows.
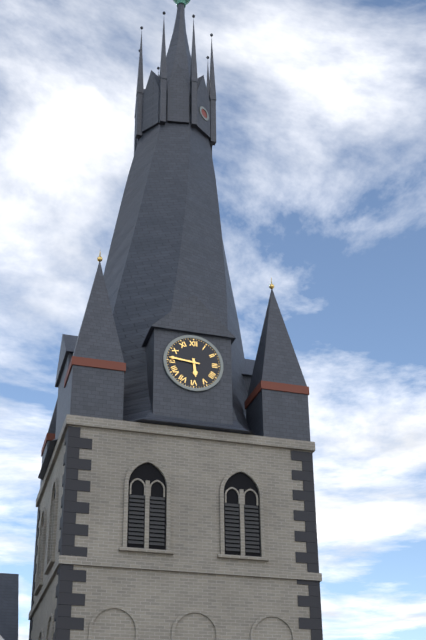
5:46
